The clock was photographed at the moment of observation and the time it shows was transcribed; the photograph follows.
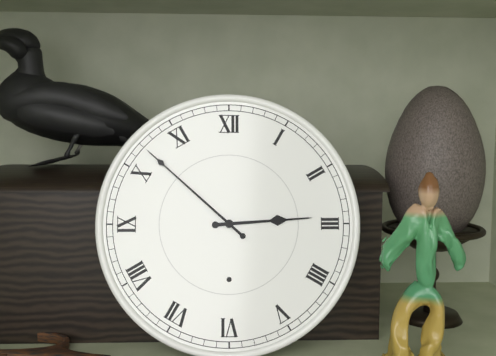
2:52
